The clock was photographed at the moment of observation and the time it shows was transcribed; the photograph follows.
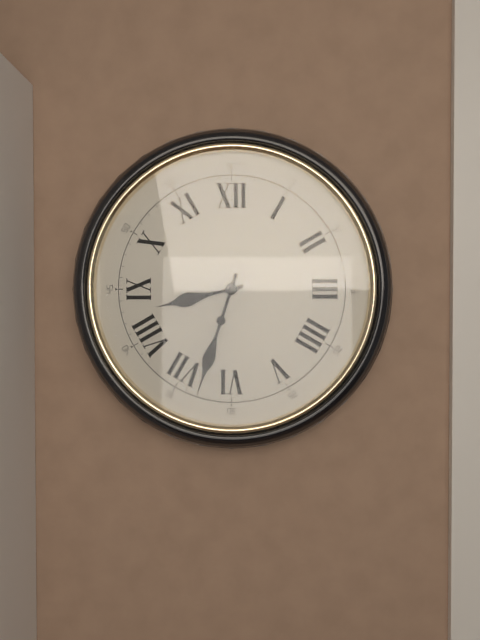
8:33
